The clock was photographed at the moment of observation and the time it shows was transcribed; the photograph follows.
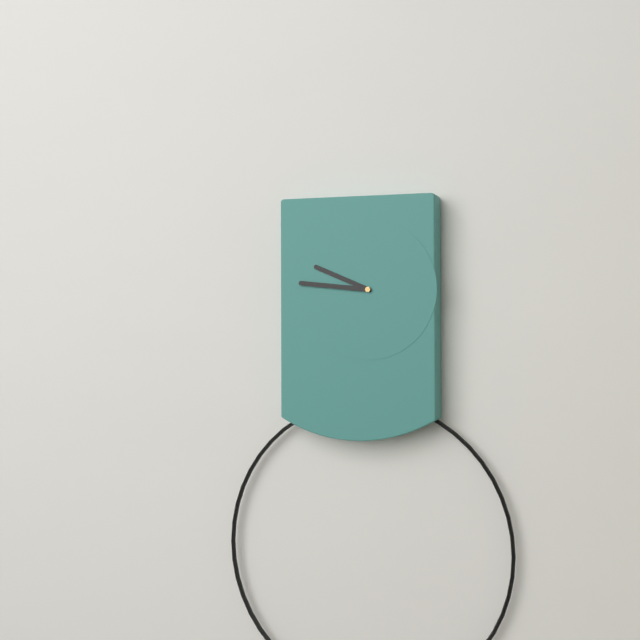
9:46
